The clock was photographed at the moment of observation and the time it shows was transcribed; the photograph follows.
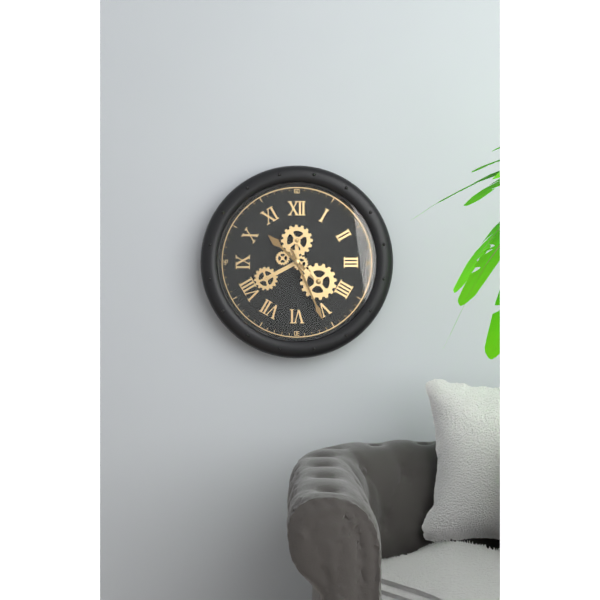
10:26
